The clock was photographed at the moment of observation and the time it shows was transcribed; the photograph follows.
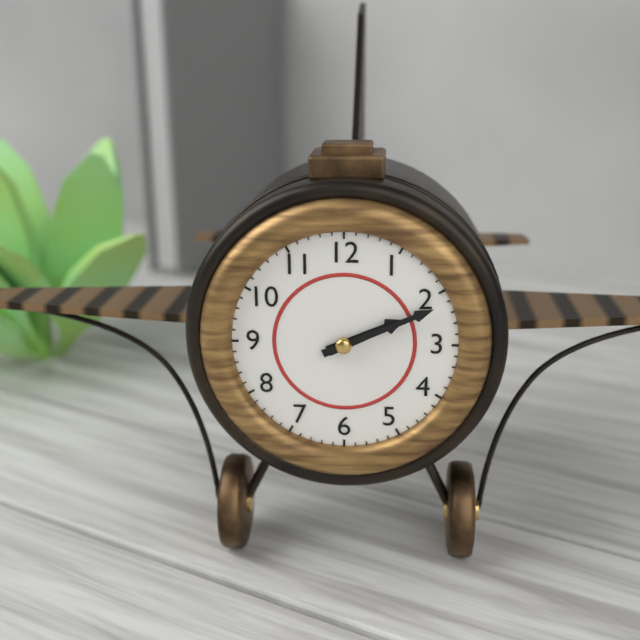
2:11
